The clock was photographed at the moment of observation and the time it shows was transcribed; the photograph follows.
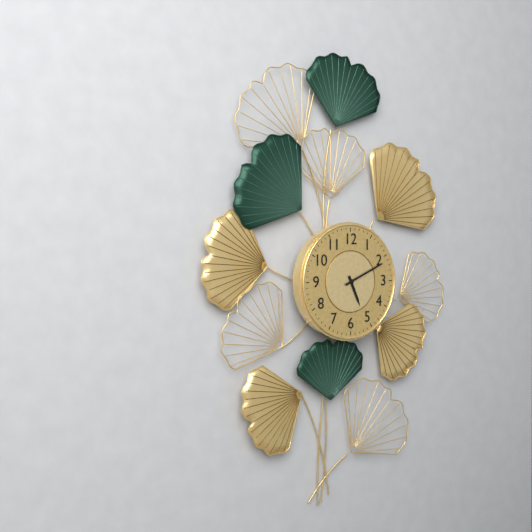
5:11
